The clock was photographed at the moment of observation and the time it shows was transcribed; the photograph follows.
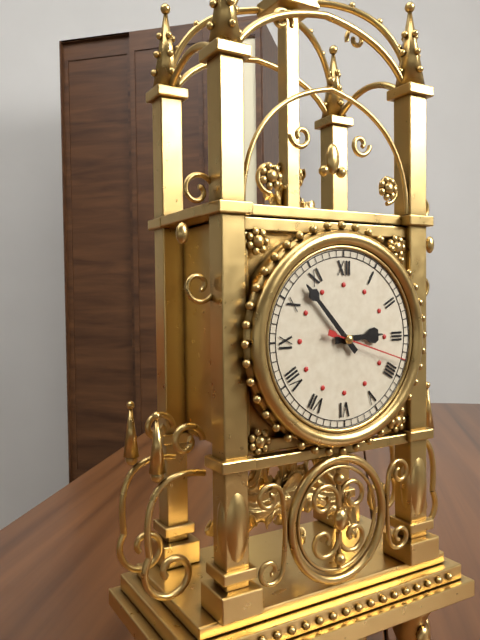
2:53:18
